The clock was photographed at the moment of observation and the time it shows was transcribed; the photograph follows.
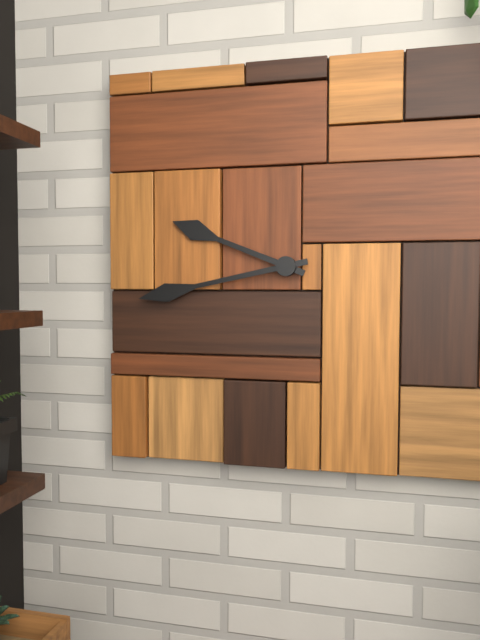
9:43
